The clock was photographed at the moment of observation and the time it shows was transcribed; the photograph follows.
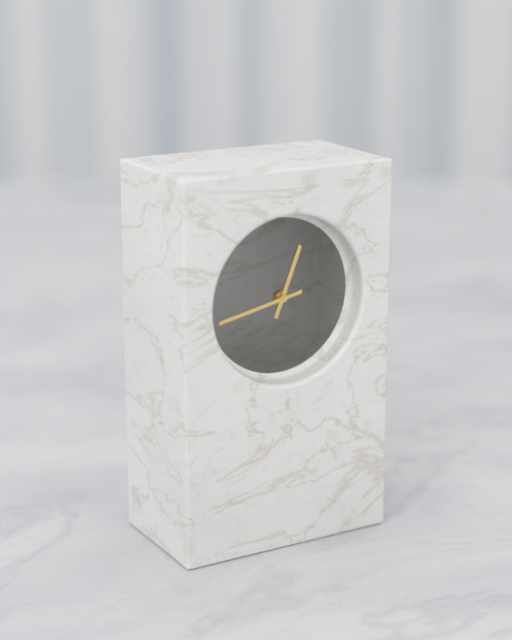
12:43
